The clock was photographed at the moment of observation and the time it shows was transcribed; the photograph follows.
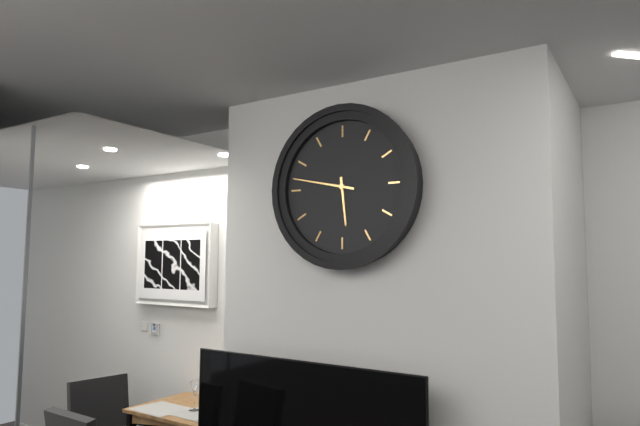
5:47
